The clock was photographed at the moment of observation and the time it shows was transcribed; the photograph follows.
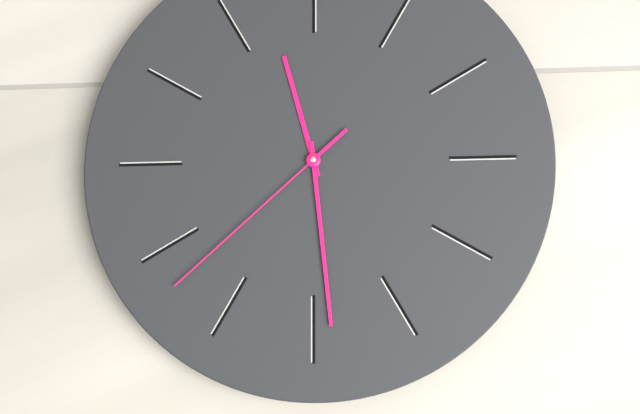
11:29:38
